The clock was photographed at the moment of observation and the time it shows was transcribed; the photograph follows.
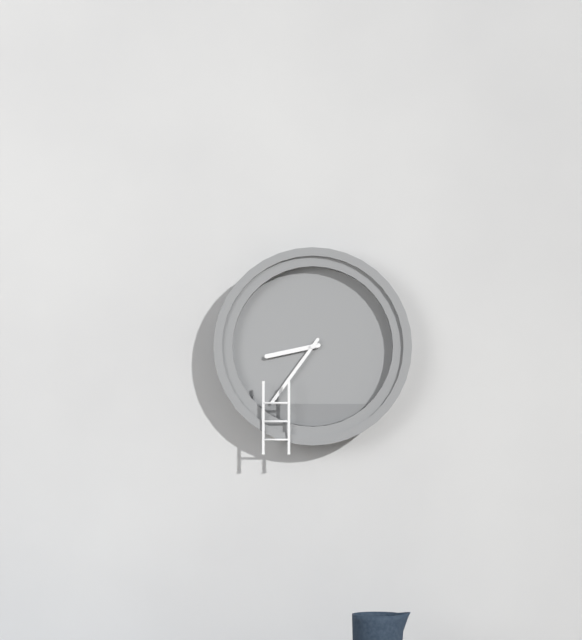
8:36
